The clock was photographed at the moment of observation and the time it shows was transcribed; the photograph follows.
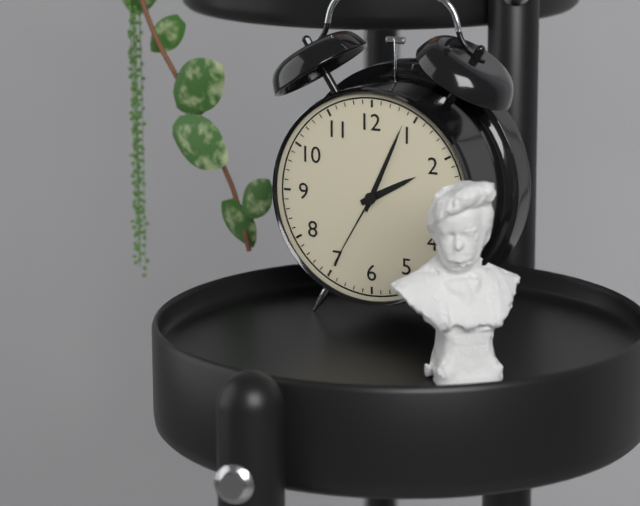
2:04:35
